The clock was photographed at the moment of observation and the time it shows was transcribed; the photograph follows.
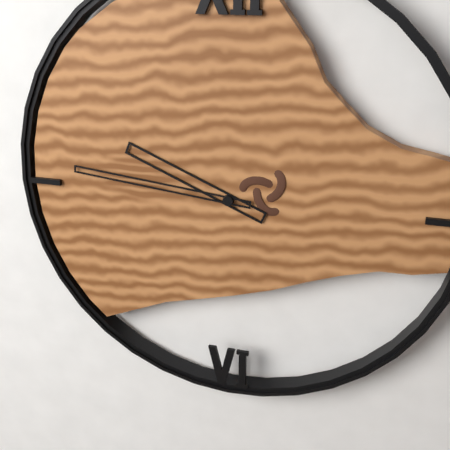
9:46
